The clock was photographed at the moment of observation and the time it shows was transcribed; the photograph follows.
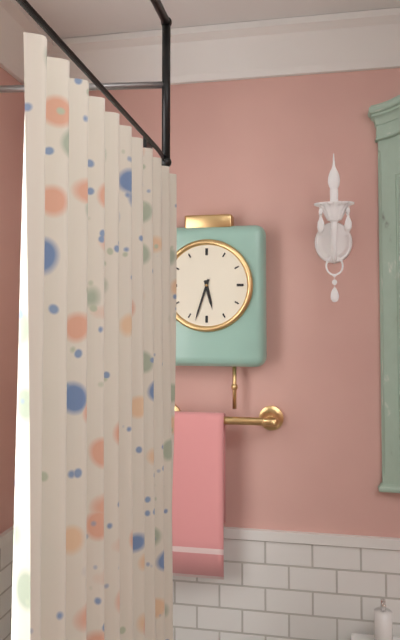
5:33
